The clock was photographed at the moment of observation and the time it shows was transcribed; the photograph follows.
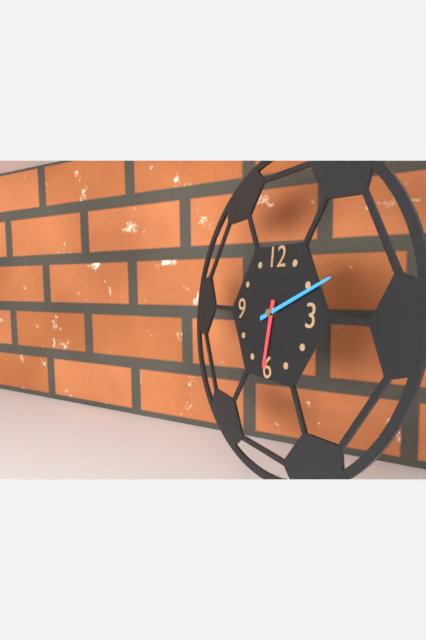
6:11
